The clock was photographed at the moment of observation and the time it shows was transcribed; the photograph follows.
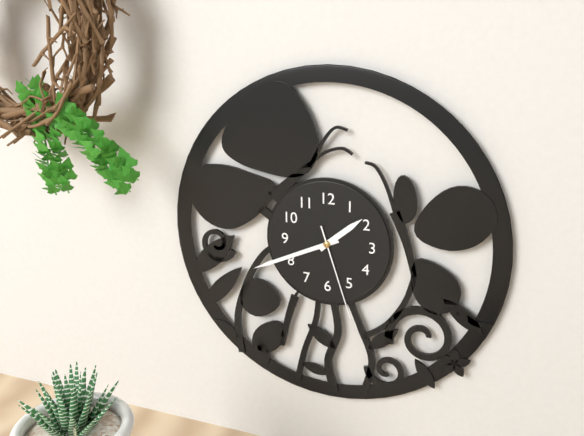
1:41:27
